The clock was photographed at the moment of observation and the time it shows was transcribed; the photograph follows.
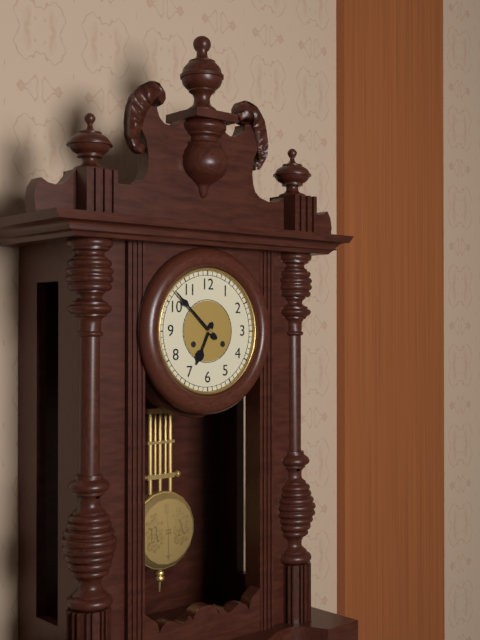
6:52
